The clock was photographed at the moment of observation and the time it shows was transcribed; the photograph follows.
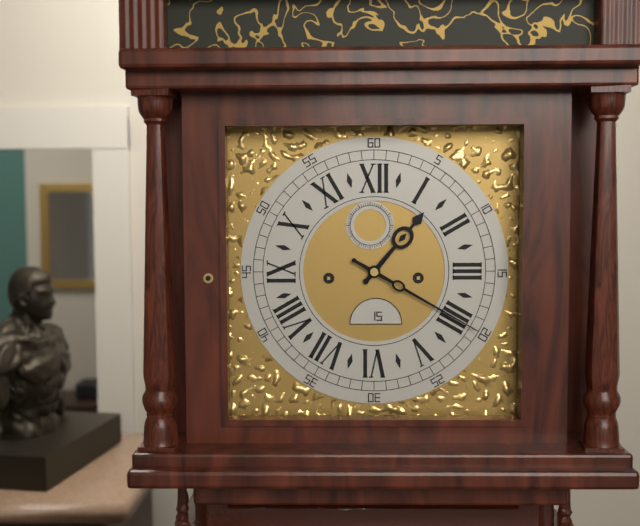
1:20
